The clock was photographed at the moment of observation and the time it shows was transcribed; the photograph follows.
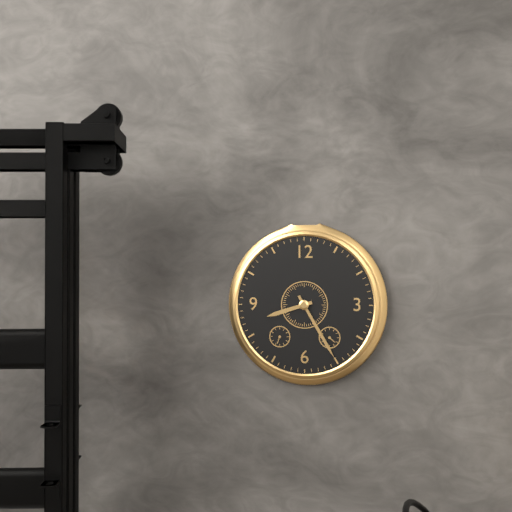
8:25
